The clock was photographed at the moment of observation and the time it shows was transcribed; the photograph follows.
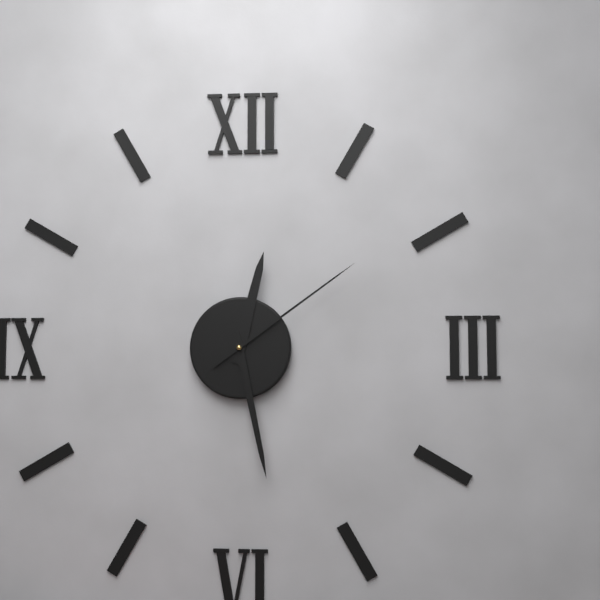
12:28:09
